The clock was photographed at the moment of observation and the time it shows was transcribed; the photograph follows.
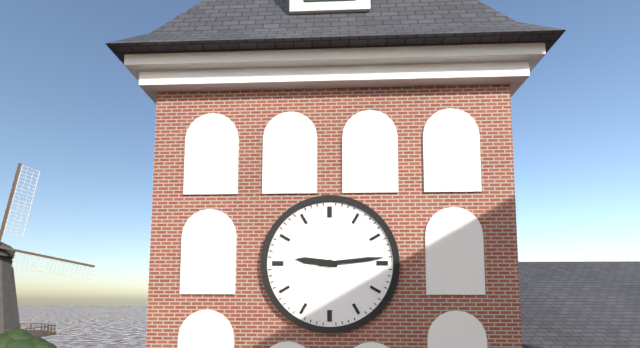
9:14
